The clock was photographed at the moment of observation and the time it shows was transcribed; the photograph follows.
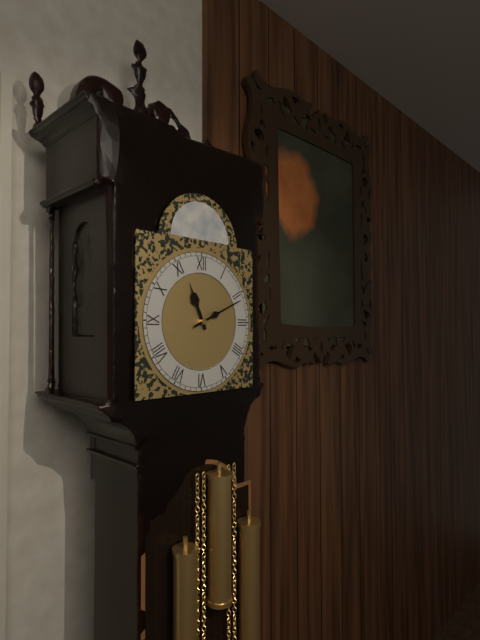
11:11
